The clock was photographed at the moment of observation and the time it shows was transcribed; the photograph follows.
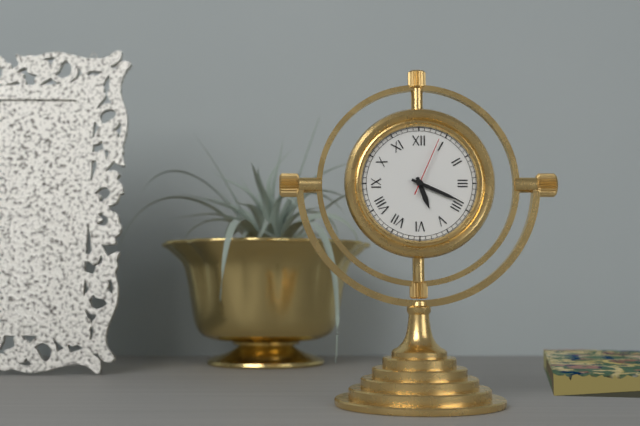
5:19:04
